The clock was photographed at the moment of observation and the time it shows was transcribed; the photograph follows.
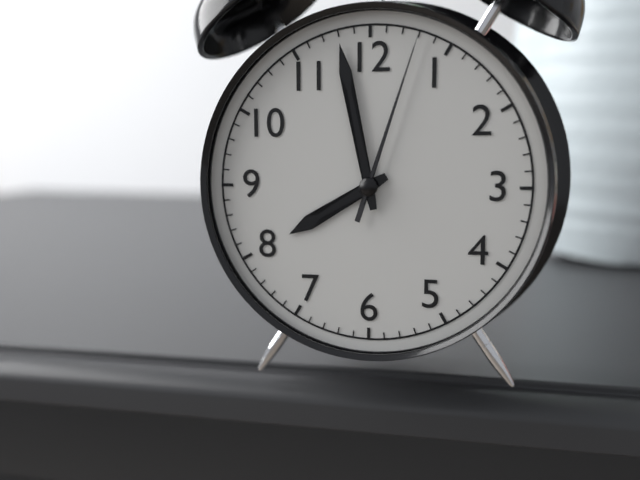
7:58:03
